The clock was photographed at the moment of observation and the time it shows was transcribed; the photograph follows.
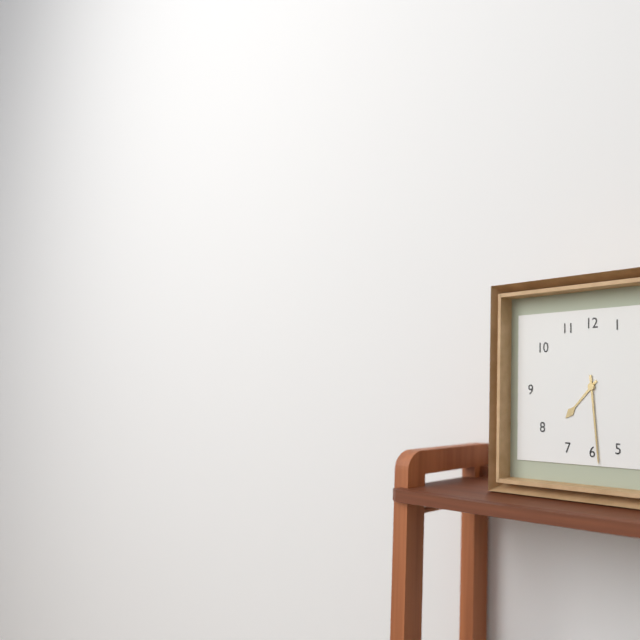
7:29
